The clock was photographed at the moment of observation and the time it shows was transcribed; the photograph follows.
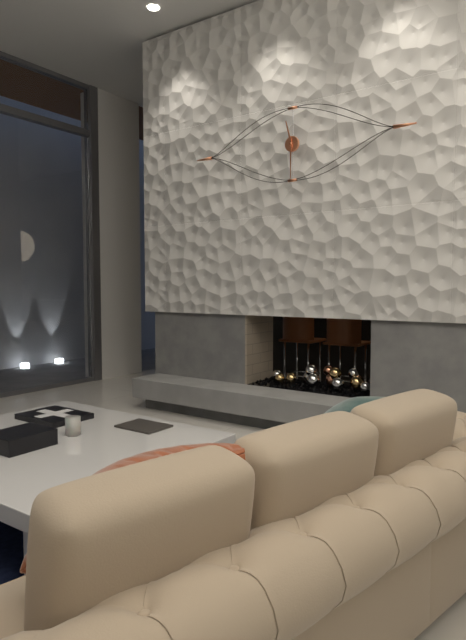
11:30
